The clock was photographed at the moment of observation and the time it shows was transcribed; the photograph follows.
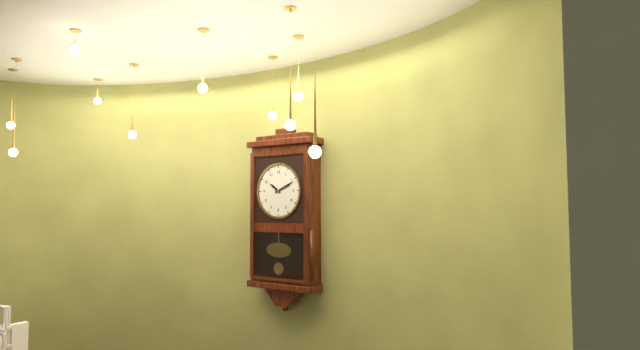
10:11
